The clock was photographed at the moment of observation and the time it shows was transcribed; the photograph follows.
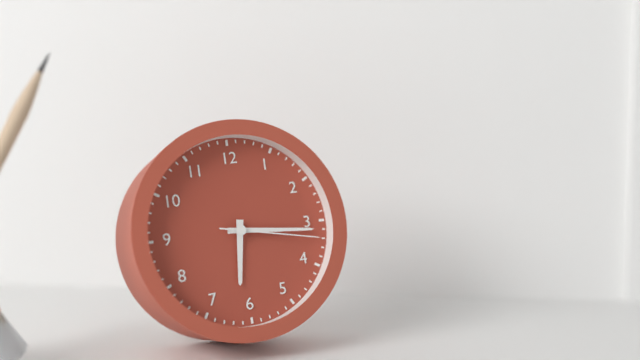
6:16:17
